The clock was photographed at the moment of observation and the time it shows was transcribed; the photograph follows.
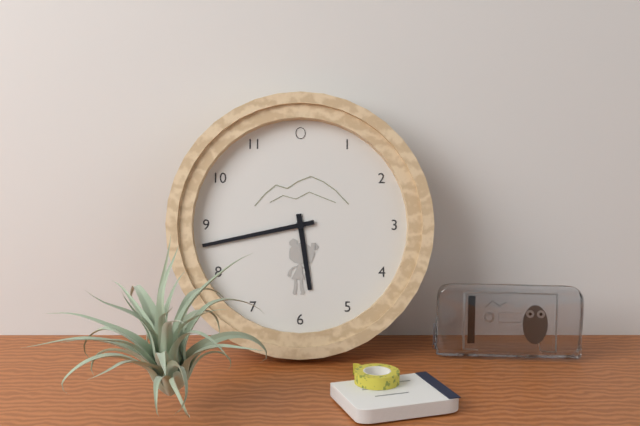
5:43
